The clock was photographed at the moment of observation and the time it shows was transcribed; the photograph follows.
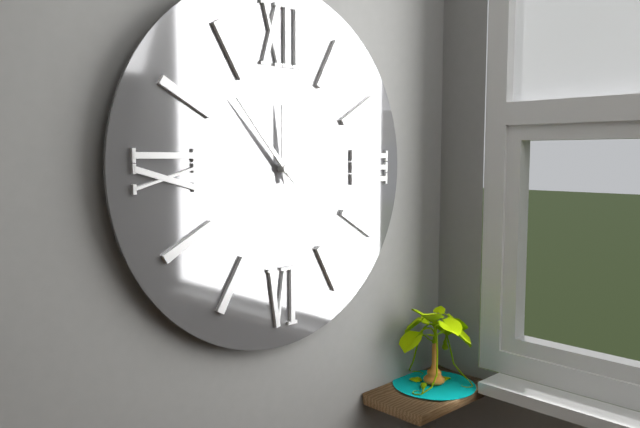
11:53
